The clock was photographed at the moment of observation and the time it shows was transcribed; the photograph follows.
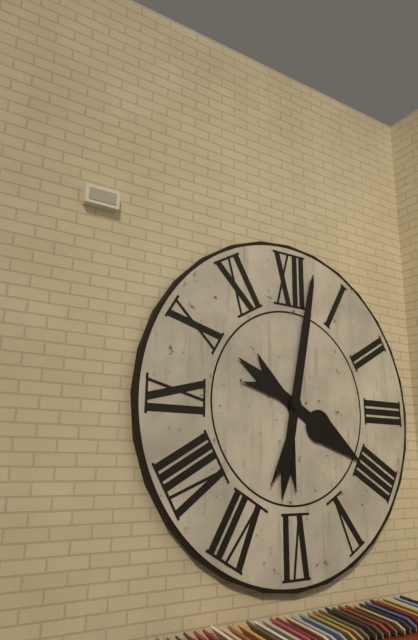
4:02
